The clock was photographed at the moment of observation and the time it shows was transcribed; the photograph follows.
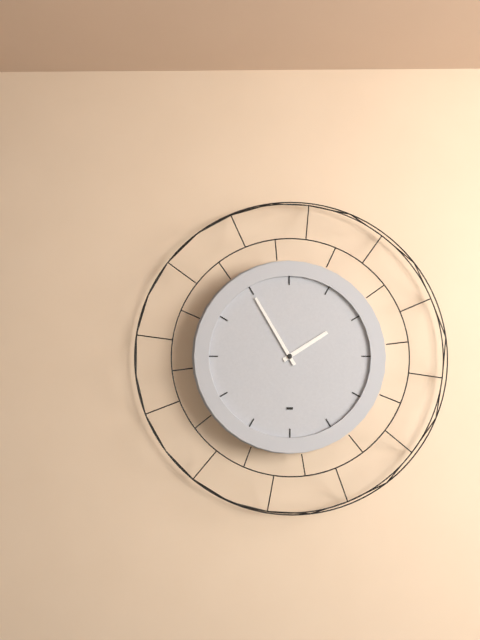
1:55
